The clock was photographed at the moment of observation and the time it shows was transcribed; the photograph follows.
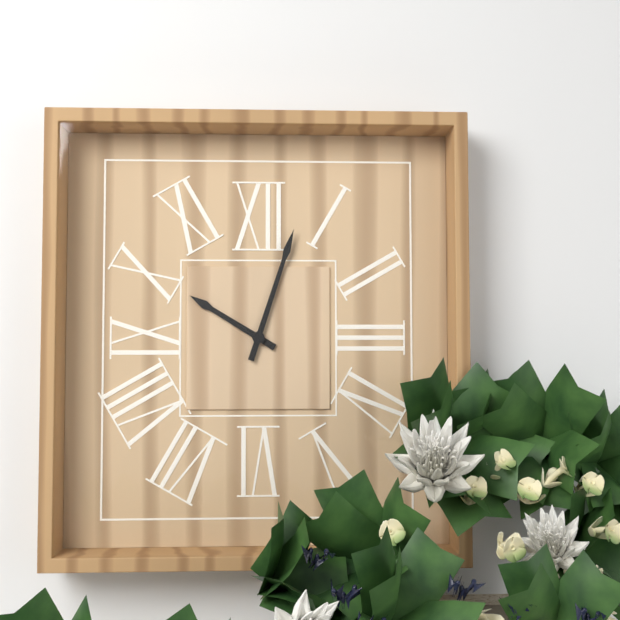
10:03
